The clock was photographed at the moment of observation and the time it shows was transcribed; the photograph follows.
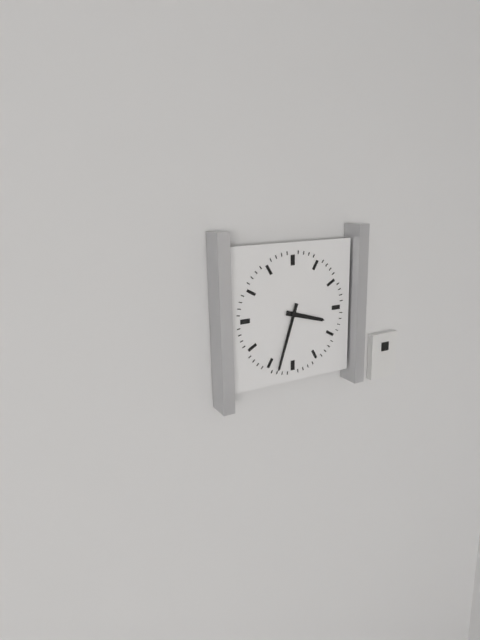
3:33
